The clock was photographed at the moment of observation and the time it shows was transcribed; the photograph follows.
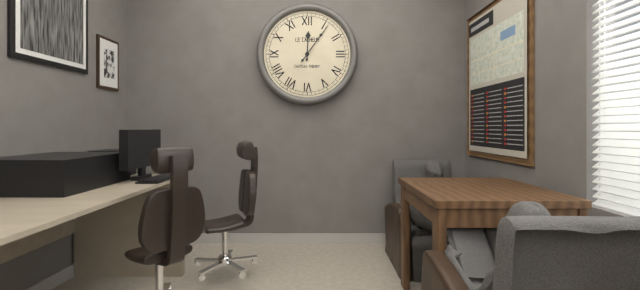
12:06
